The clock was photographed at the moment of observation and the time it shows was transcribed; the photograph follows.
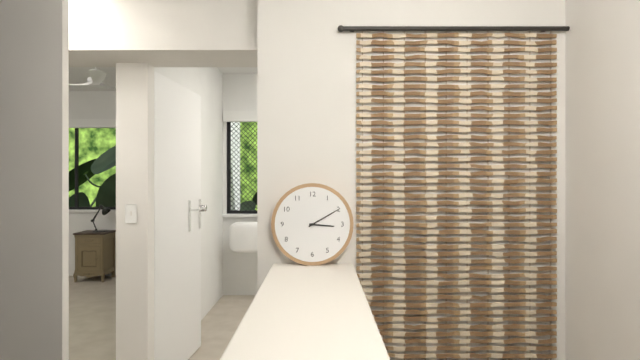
3:10
